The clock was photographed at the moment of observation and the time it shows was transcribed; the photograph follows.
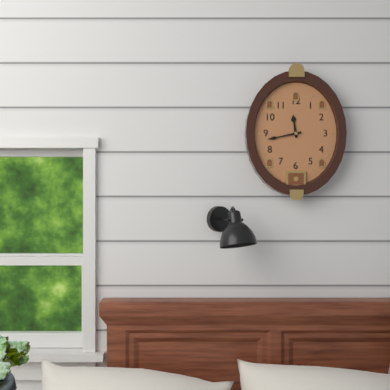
11:43
